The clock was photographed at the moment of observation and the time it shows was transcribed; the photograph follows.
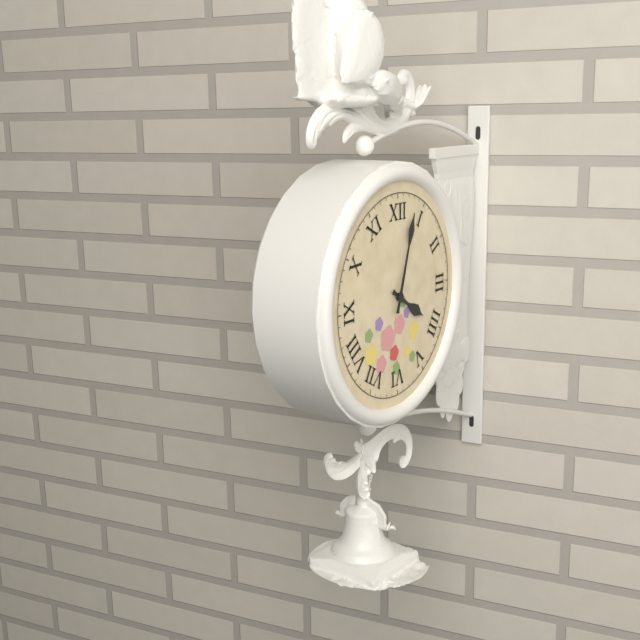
4:03
